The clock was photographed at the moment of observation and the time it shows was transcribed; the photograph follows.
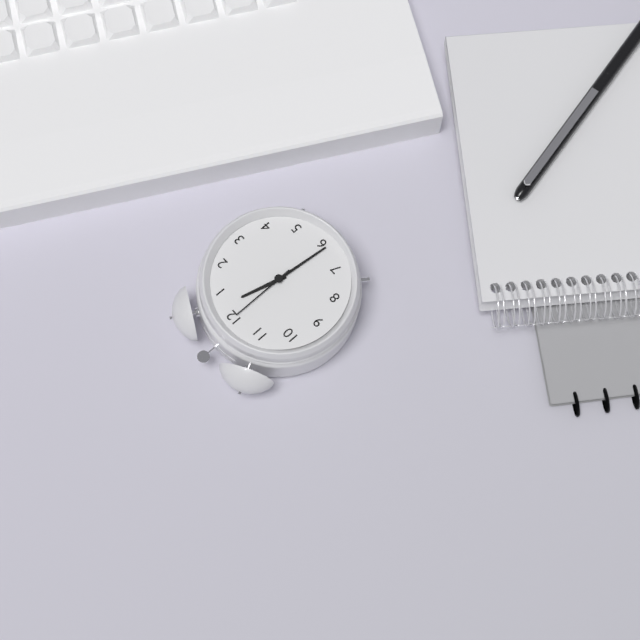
12:31:00
